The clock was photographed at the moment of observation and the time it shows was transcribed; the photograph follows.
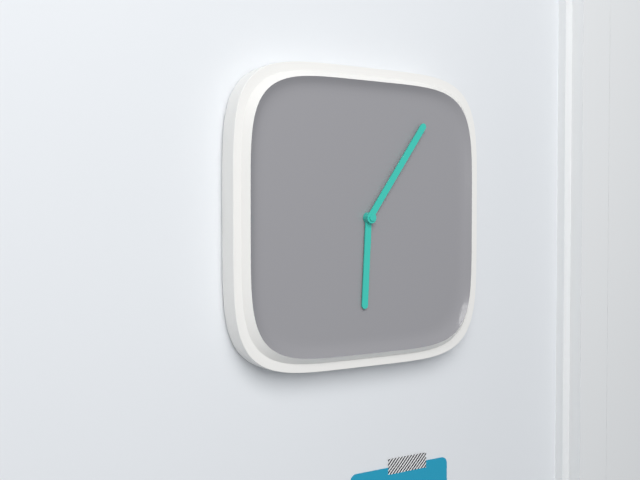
6:06
